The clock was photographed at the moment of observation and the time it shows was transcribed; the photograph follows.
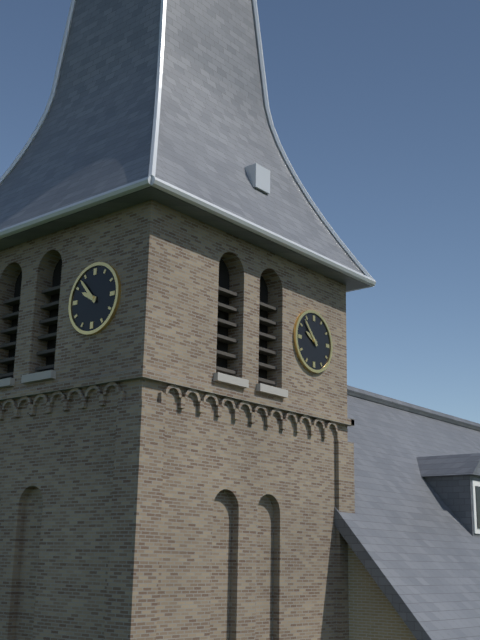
9:53
